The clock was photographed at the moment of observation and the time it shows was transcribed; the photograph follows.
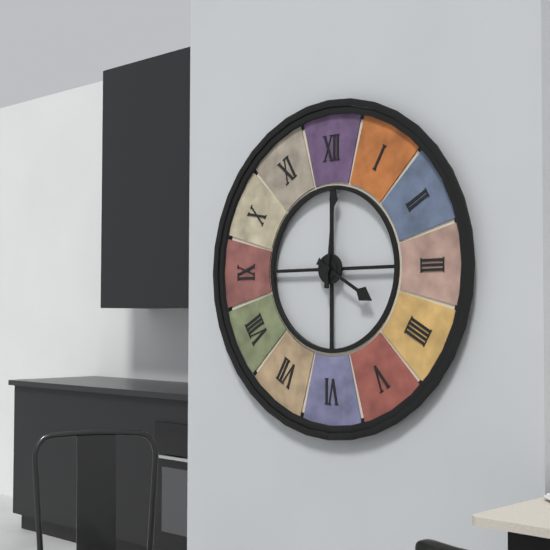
4:01
